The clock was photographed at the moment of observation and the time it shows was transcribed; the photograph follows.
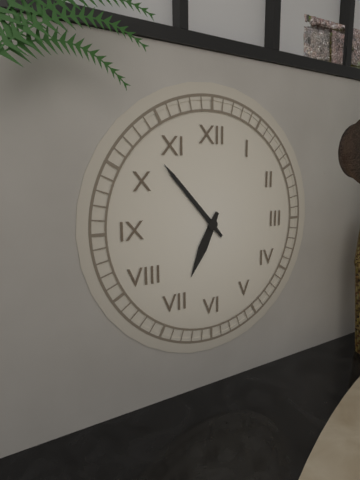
6:53
